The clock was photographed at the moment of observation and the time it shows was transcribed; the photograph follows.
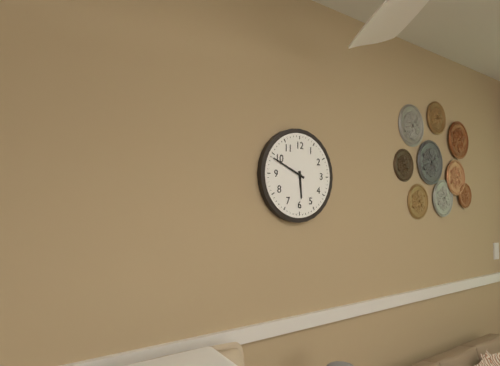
5:49
